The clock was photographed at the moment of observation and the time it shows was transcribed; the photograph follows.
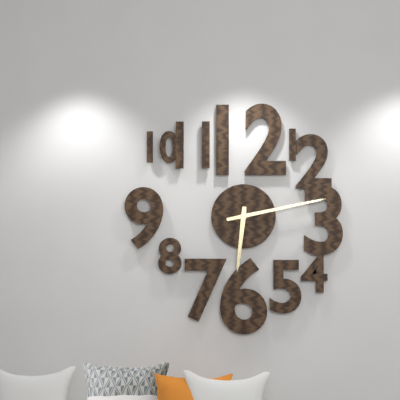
6:13
